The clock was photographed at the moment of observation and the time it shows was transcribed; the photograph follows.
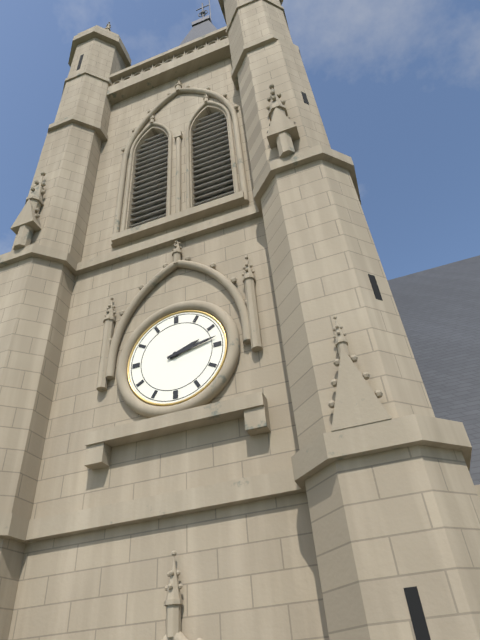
2:13
